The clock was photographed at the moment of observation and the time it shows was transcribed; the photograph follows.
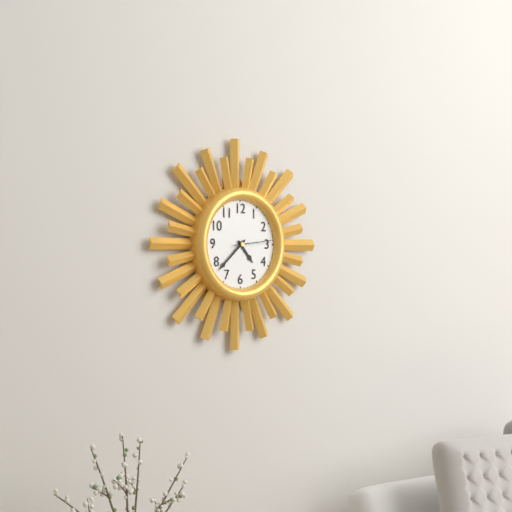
4:38
